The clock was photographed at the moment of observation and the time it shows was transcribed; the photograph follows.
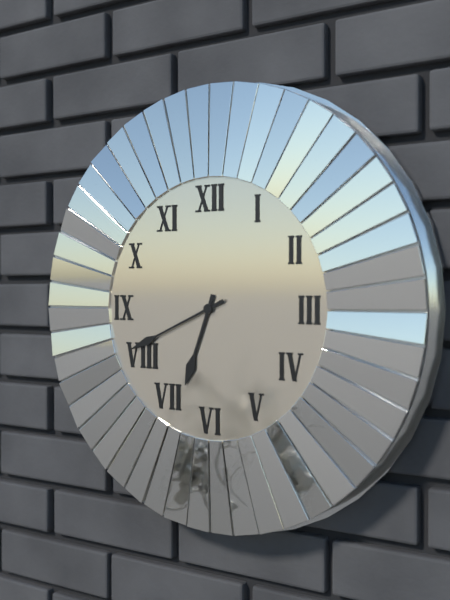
6:41
